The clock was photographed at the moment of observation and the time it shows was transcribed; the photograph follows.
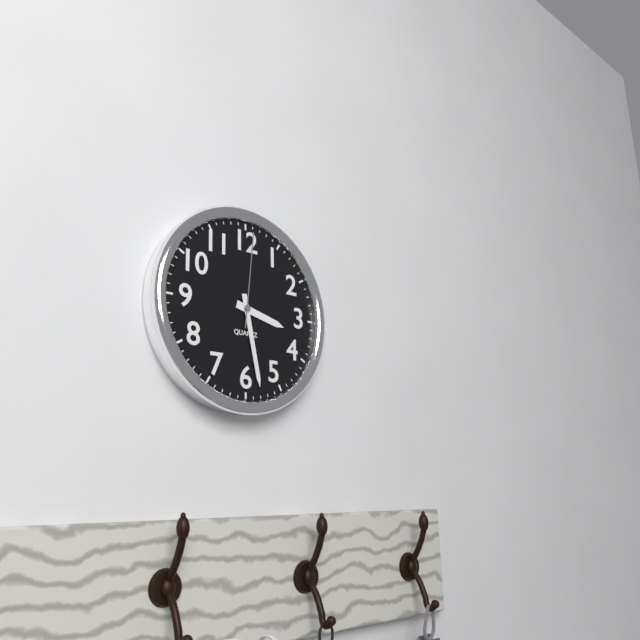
3:28:01
